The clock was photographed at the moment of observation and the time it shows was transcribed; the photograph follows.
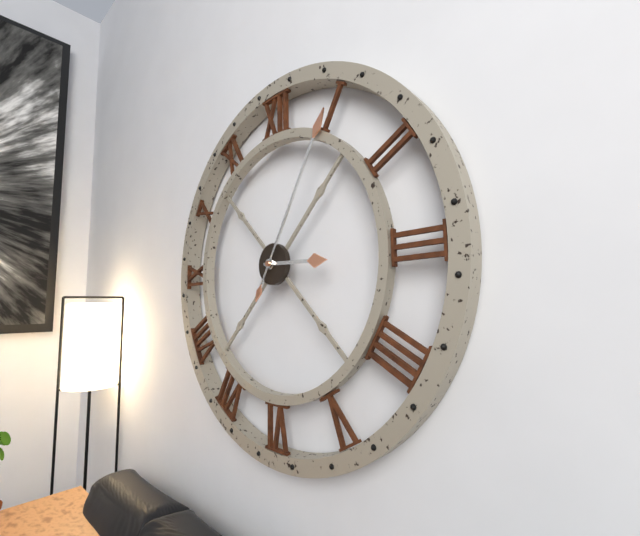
3:05
